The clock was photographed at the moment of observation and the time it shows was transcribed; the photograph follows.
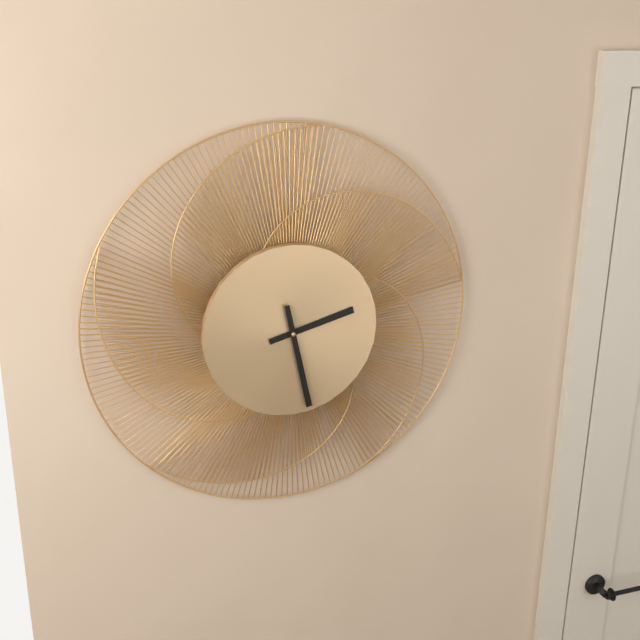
2:28
